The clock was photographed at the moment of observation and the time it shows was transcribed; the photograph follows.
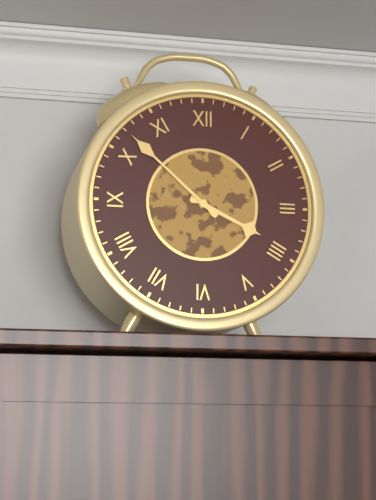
3:52
